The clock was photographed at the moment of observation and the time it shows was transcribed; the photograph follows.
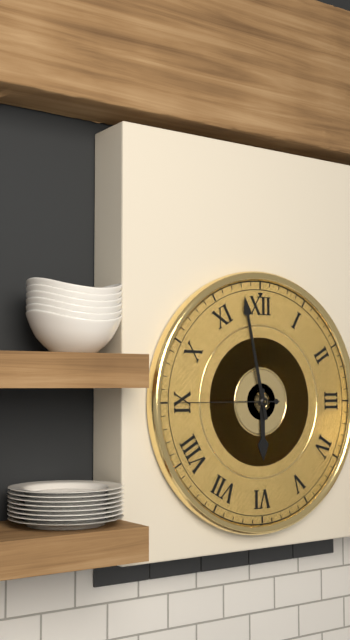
5:58:45
